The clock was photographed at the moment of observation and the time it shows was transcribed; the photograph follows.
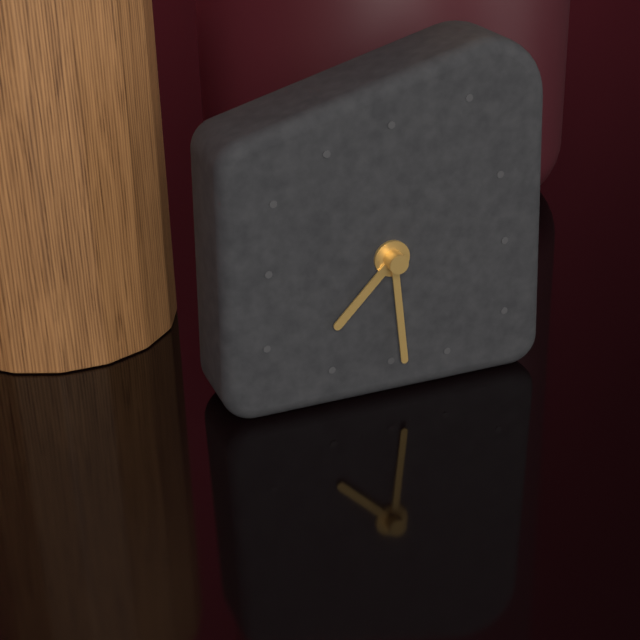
7:29
